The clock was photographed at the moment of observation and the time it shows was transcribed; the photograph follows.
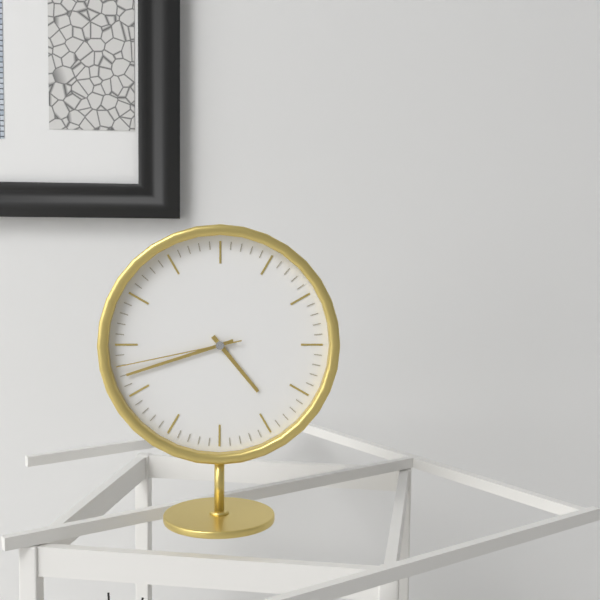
4:42:43
